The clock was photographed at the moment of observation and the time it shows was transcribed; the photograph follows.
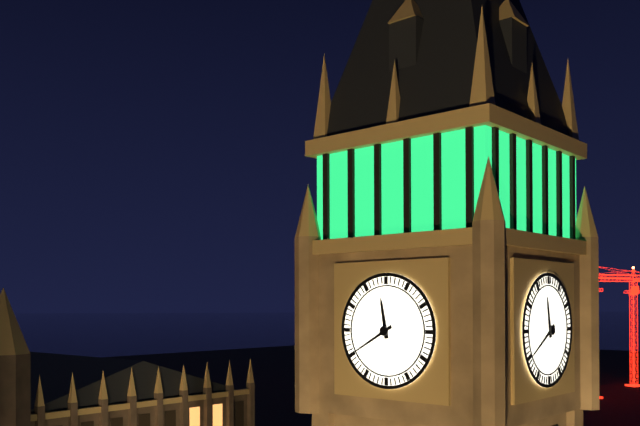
11:40
